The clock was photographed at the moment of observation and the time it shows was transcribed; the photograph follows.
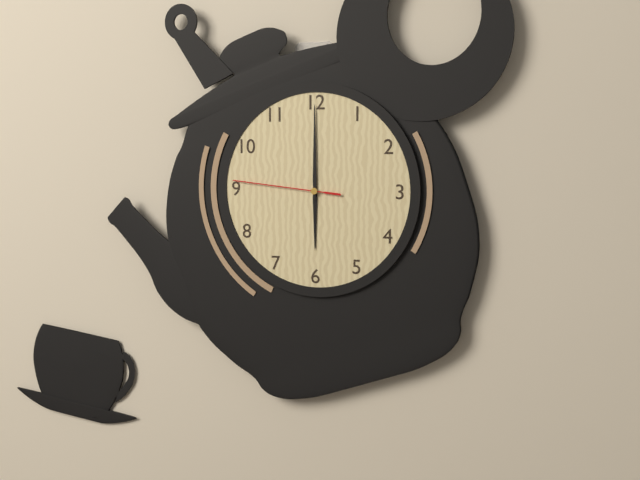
6:00:46
